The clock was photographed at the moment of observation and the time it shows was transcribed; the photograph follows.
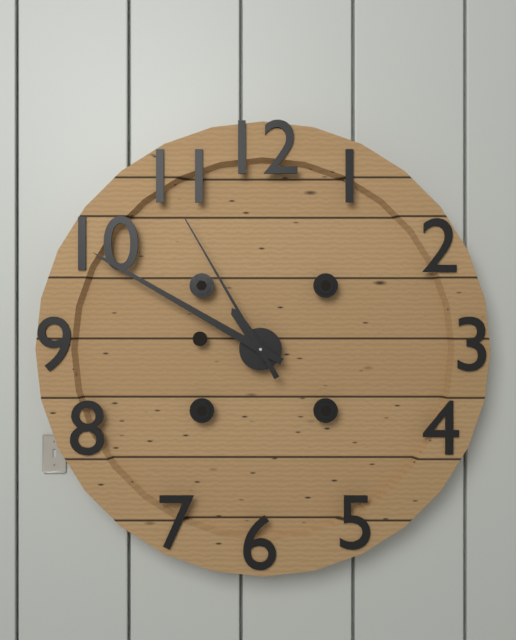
10:50:55
